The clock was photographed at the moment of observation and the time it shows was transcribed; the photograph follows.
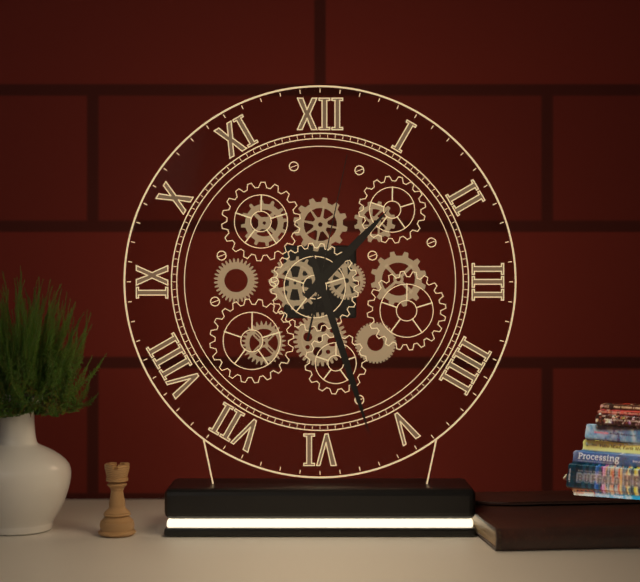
1:27:02
